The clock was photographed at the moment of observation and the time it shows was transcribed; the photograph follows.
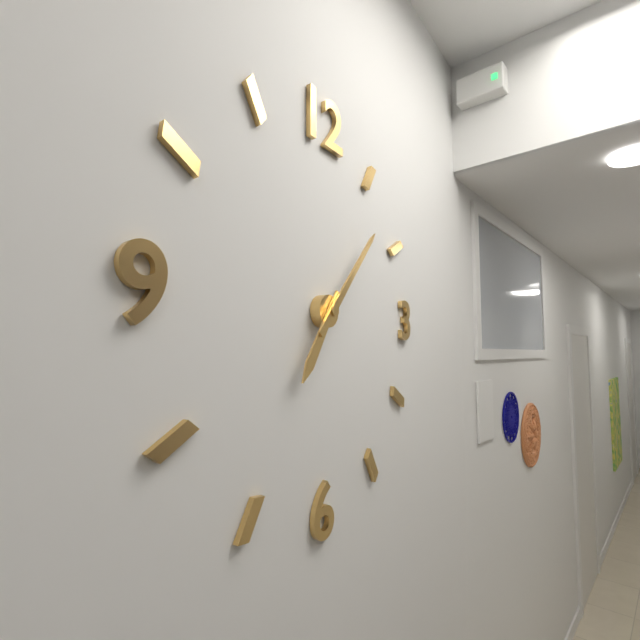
7:07
